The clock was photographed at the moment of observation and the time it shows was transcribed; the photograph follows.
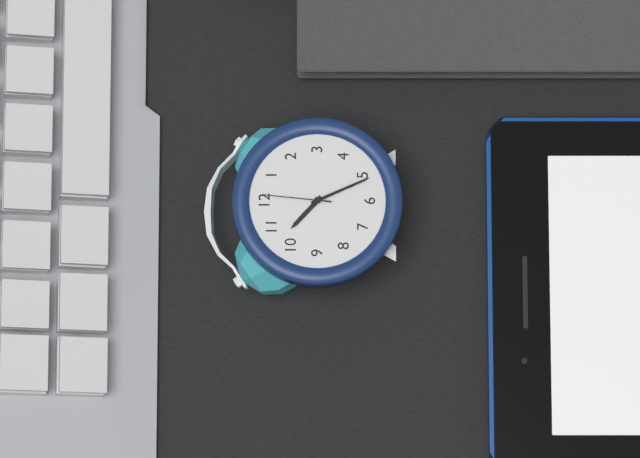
10:26:01
